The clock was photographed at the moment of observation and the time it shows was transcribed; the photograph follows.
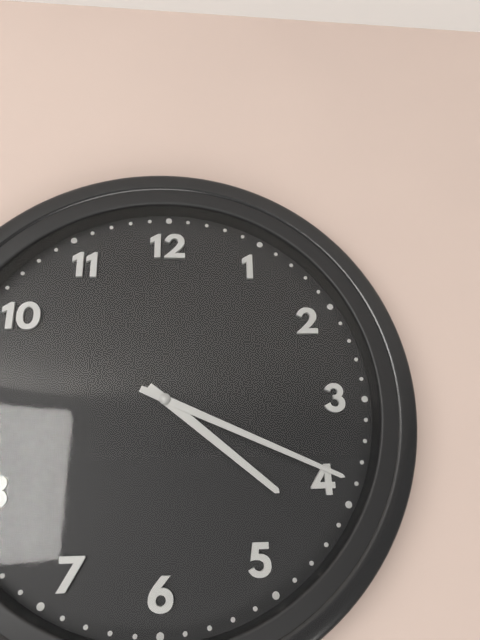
4:19
